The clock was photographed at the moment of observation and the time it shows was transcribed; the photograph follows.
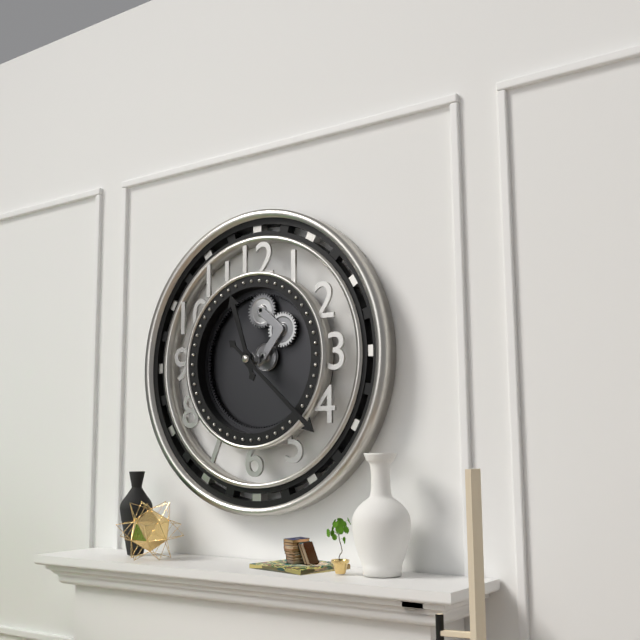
11:22
